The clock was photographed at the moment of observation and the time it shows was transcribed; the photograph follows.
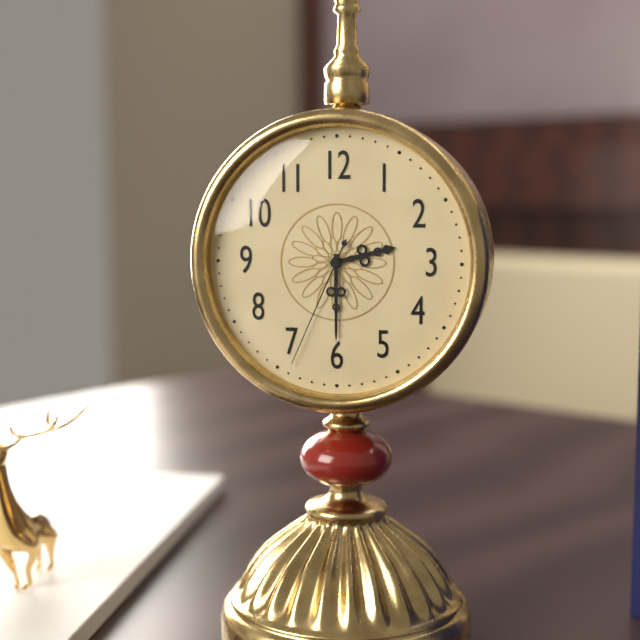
2:30:34
